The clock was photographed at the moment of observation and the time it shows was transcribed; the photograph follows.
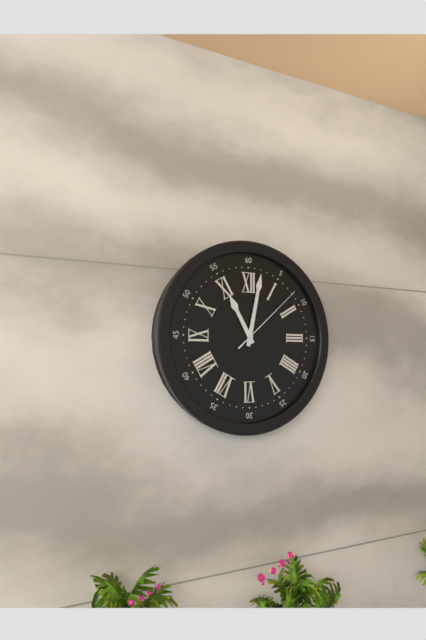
11:02:08
